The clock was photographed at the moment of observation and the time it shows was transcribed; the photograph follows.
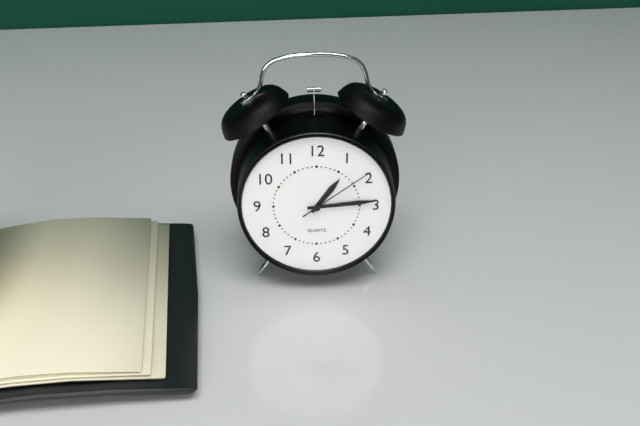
1:14:09
